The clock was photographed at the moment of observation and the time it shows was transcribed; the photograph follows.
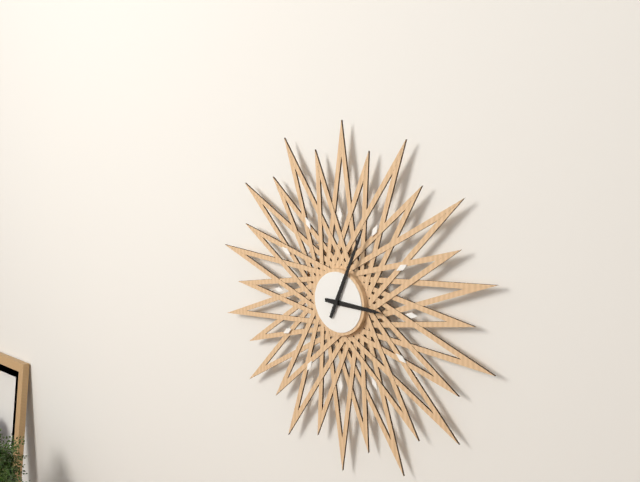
3:04
